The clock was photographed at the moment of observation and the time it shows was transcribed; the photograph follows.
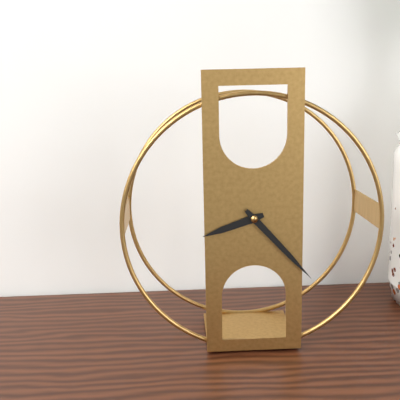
8:23
